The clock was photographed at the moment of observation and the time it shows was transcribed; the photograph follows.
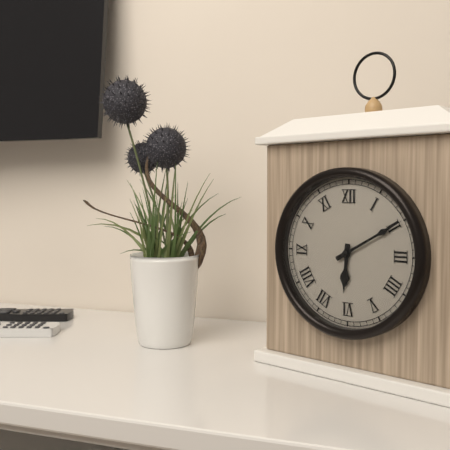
6:10
